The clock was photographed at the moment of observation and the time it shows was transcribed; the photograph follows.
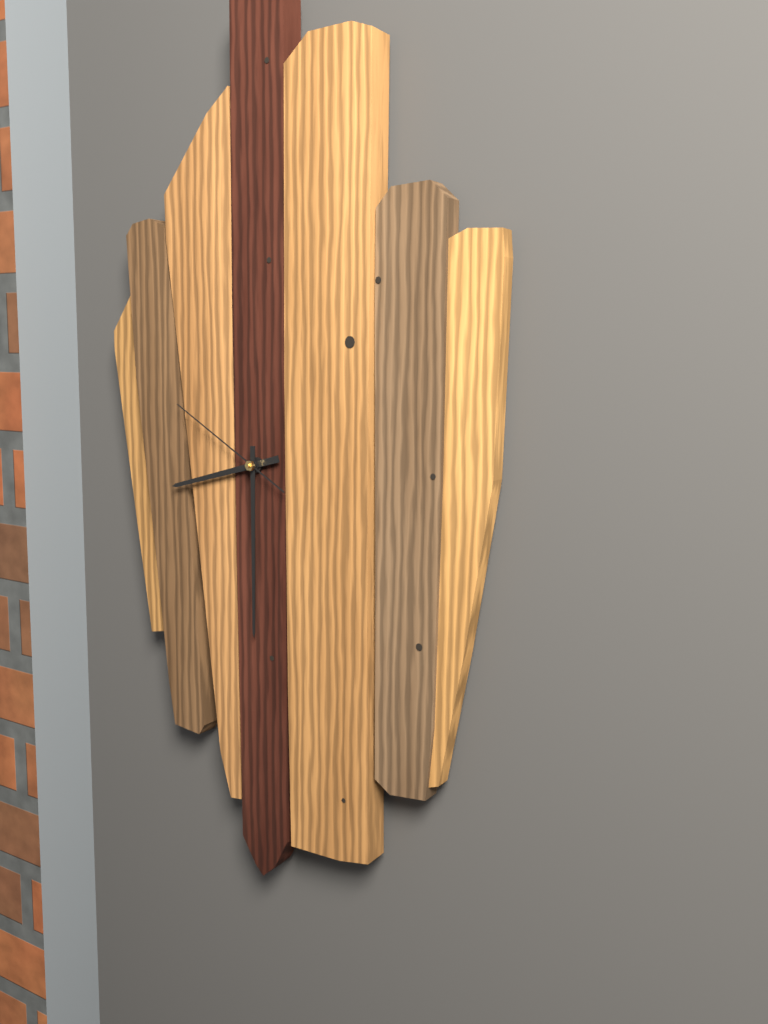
8:30:50
